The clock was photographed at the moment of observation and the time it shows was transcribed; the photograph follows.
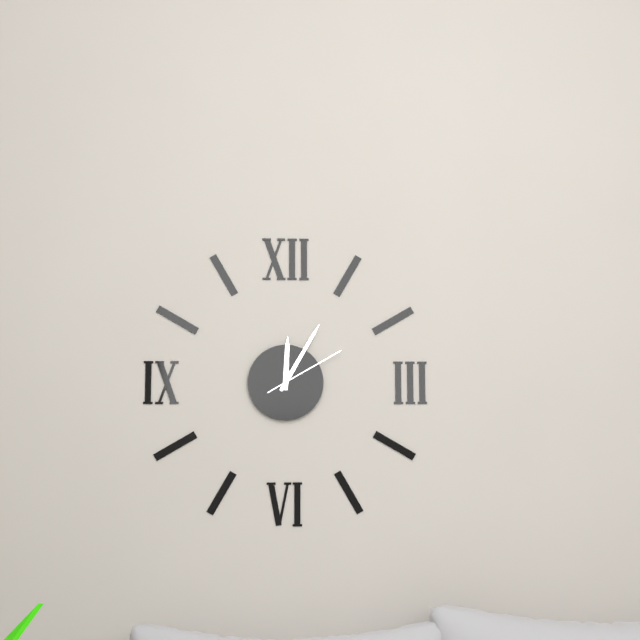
12:05:10
